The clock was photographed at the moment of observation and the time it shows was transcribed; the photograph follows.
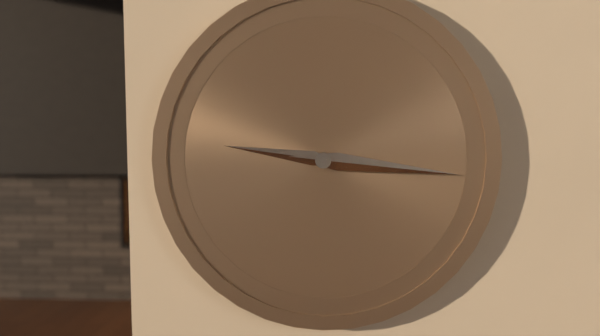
9:16
